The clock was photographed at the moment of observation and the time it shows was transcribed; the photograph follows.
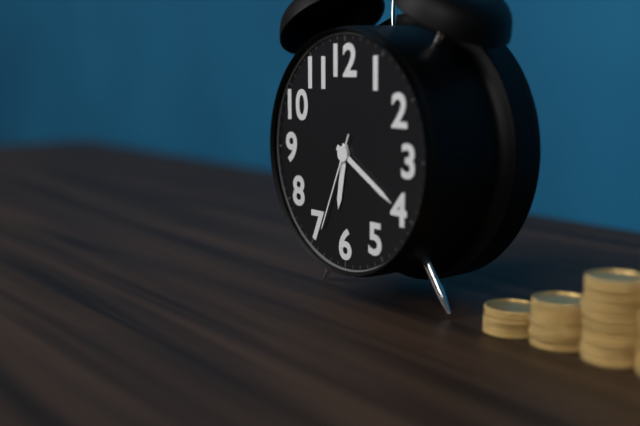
6:20:34
